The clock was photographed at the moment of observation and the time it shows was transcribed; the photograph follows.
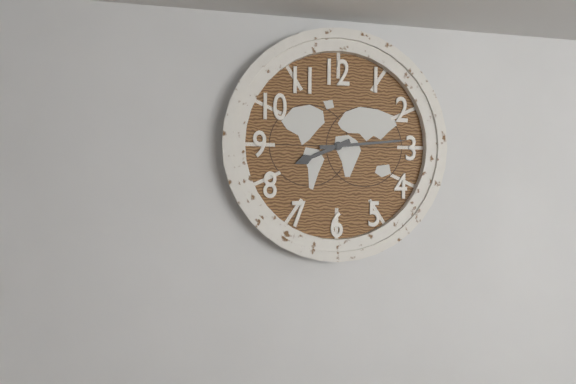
8:14
